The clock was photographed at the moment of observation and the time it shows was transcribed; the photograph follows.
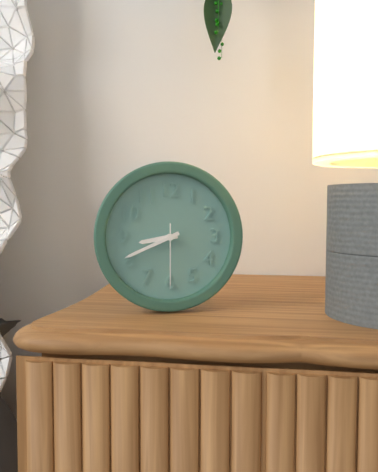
8:41:30
